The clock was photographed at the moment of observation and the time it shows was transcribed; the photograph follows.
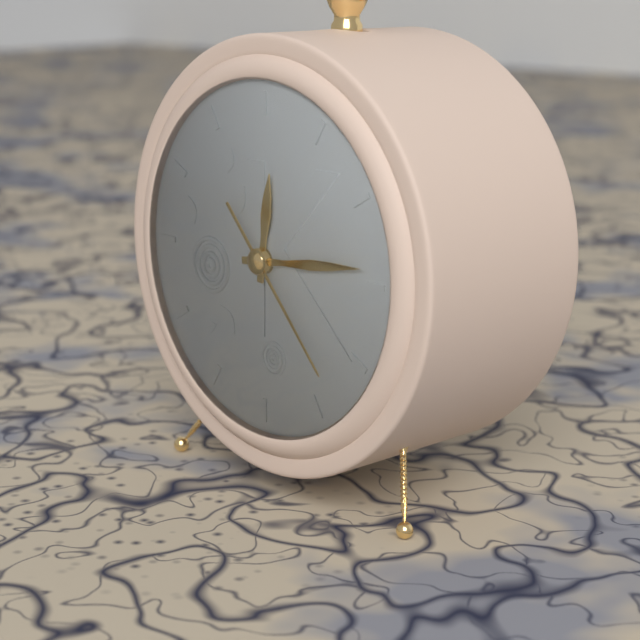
12:14:23
